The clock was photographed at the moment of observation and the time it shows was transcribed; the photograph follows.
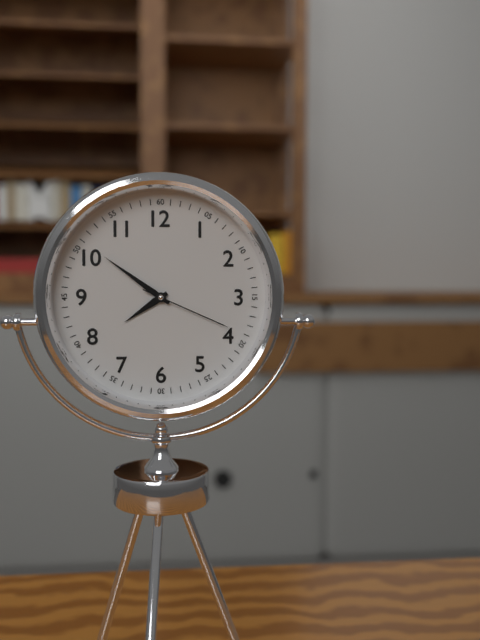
7:51:19
